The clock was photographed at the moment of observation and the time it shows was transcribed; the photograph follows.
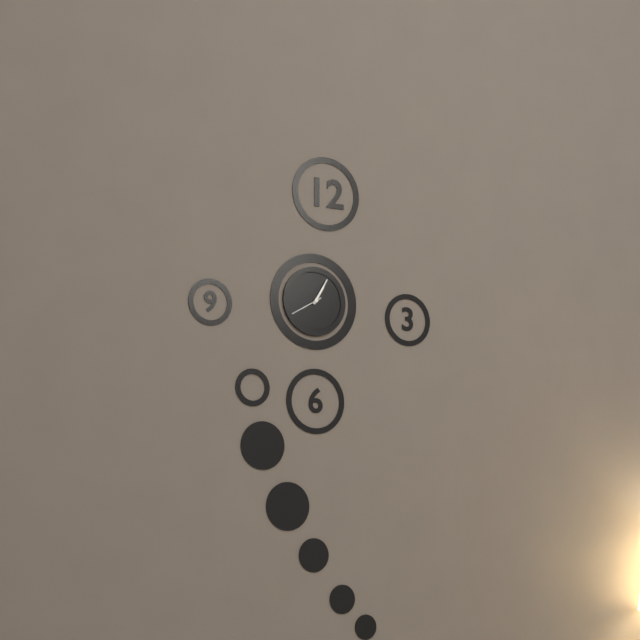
1:05
